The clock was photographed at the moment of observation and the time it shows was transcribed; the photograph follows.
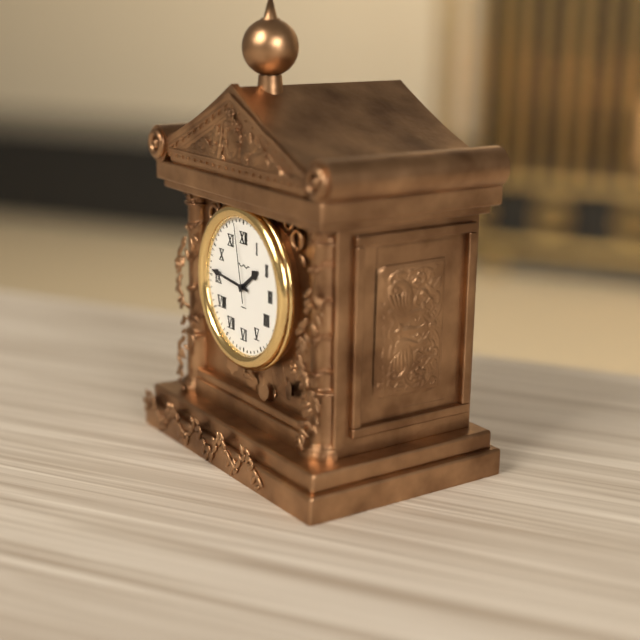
1:46:58
